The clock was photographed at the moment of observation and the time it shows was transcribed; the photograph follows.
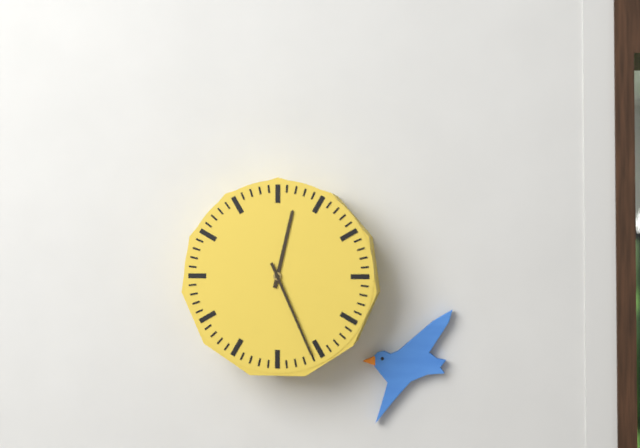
12:26
